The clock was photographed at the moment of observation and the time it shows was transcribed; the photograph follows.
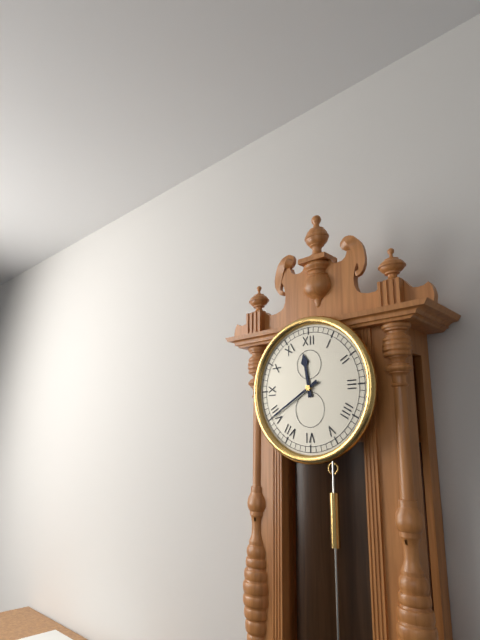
11:40
